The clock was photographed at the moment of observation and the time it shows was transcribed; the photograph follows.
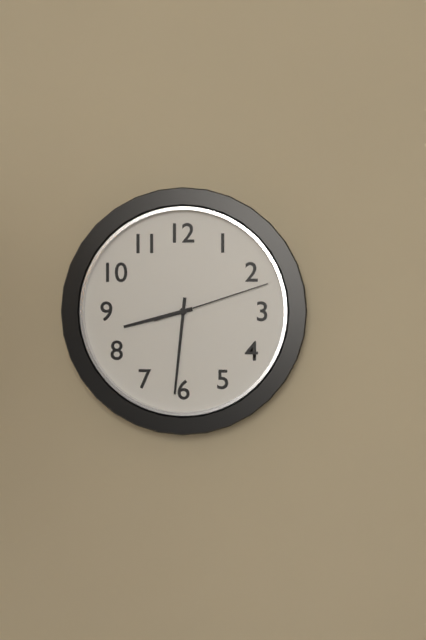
8:31:12
